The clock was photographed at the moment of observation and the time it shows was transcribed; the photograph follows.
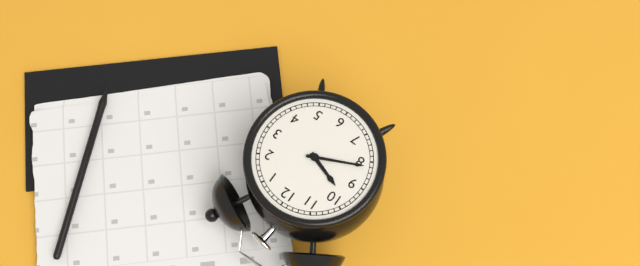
9:41
